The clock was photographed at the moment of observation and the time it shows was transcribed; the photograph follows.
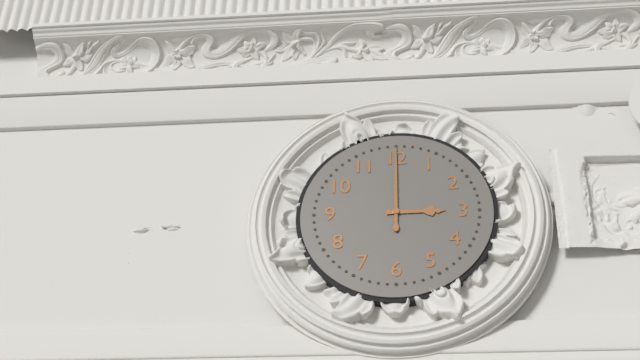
3:00
